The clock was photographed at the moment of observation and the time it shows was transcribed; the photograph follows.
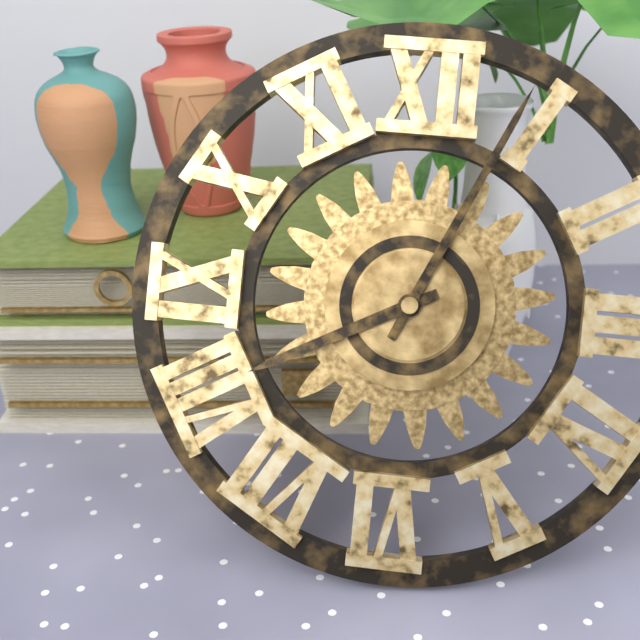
8:04
